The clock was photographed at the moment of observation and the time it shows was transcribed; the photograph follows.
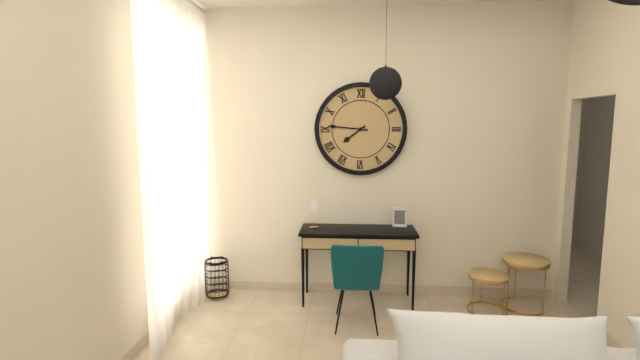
7:46
